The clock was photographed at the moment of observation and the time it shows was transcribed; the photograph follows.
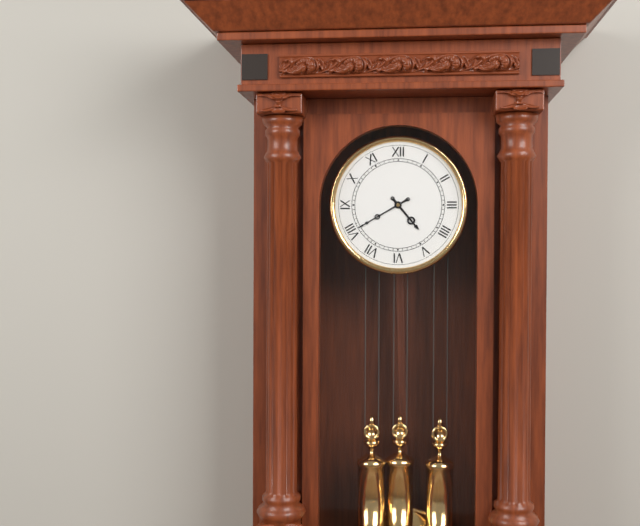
4:40
